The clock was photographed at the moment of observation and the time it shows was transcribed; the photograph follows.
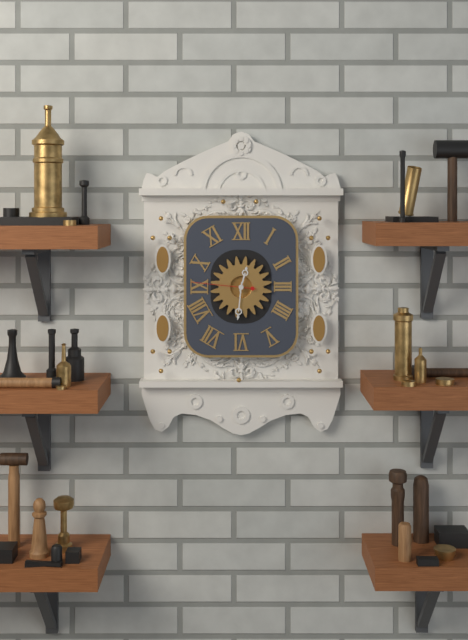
12:31:46
